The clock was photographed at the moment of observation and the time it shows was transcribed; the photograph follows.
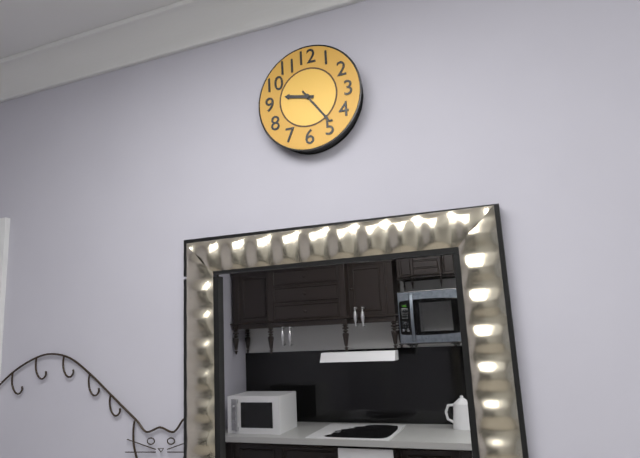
9:24
